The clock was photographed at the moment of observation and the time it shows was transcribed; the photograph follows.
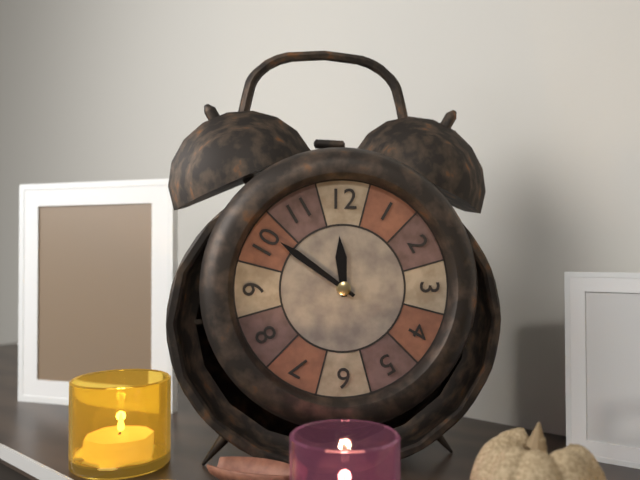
11:51
